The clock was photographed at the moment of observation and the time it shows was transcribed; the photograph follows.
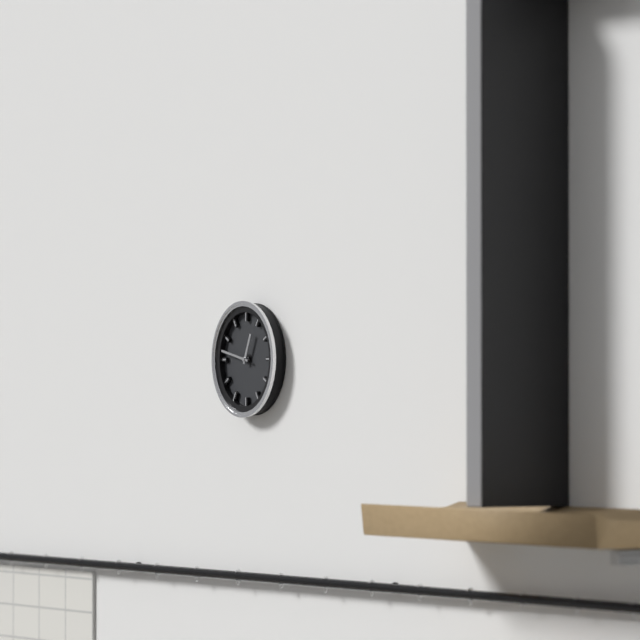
12:47
